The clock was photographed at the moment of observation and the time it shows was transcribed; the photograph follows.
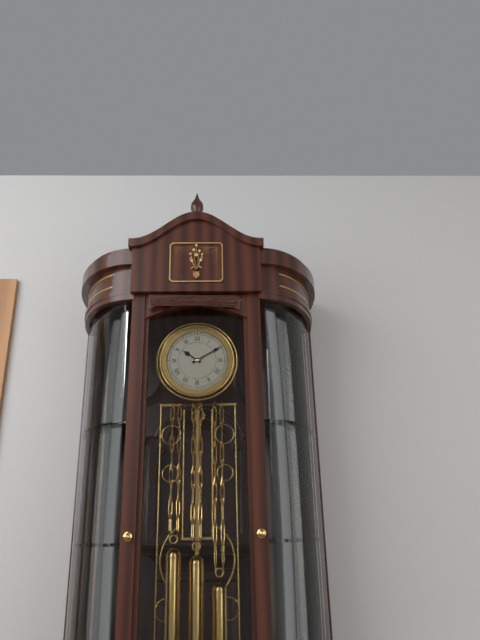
10:10
